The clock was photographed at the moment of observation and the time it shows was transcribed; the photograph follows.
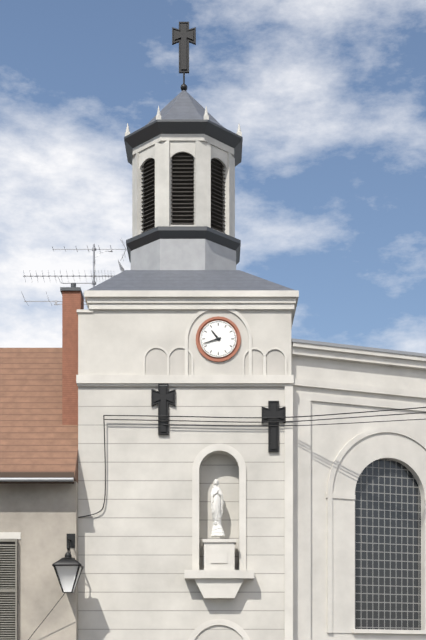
10:42
